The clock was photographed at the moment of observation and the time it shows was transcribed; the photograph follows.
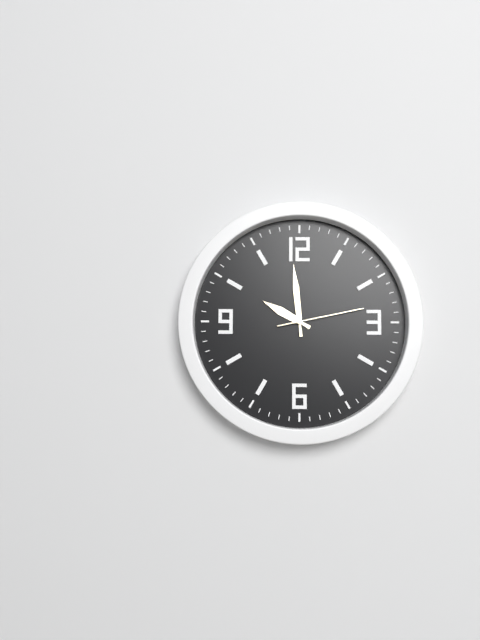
9:59:13
